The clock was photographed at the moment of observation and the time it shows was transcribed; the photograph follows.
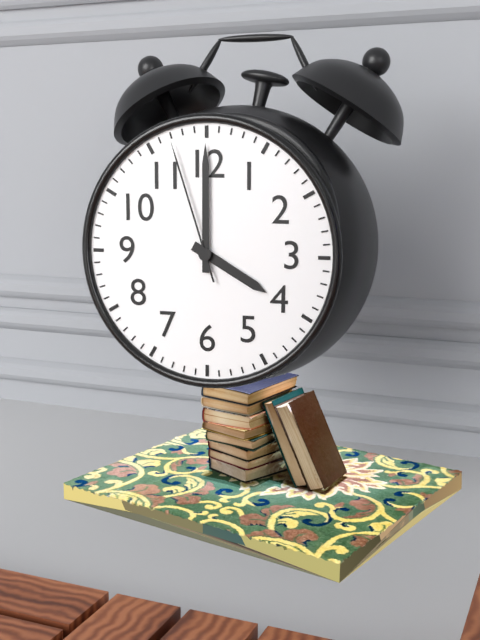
4:00:57
